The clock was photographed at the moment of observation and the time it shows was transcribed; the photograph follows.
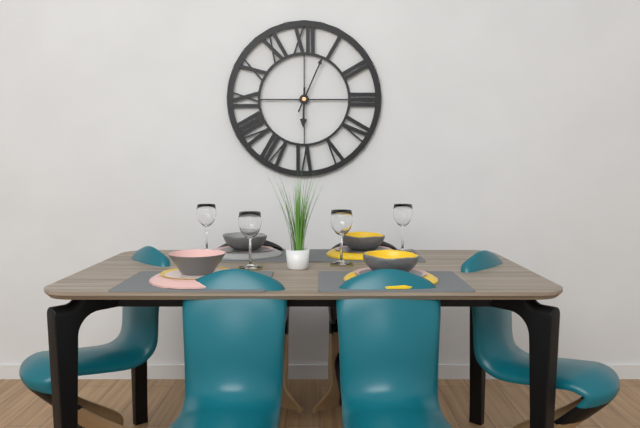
6:04
